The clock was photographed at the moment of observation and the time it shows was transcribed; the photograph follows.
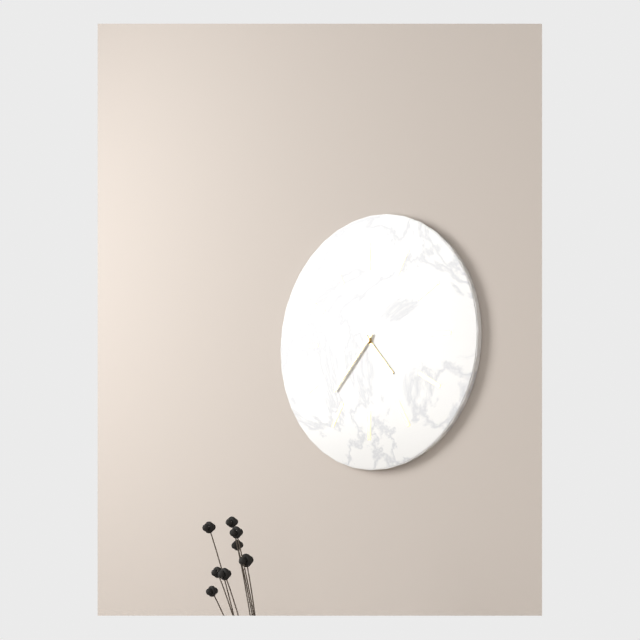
4:37
